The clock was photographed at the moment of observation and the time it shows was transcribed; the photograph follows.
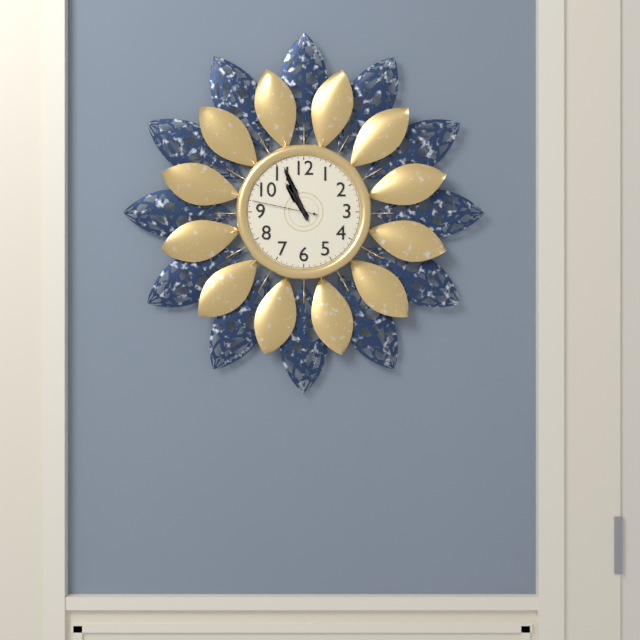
10:56:47
